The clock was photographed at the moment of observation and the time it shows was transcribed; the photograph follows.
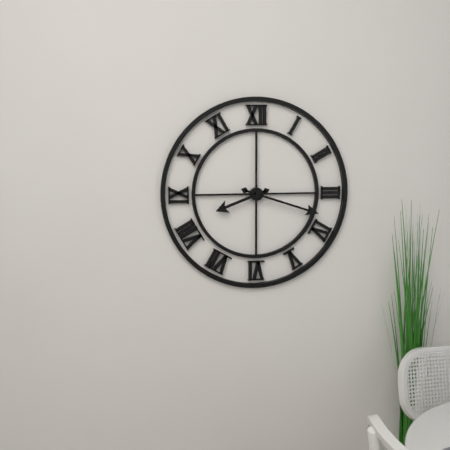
8:18
